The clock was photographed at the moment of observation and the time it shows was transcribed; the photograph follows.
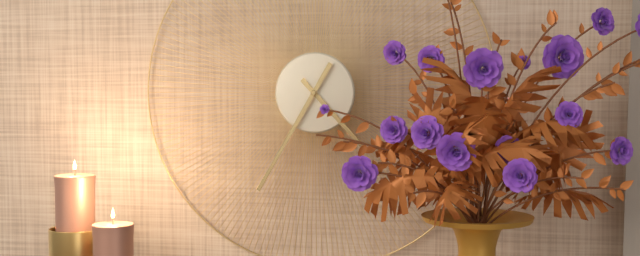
4:35
